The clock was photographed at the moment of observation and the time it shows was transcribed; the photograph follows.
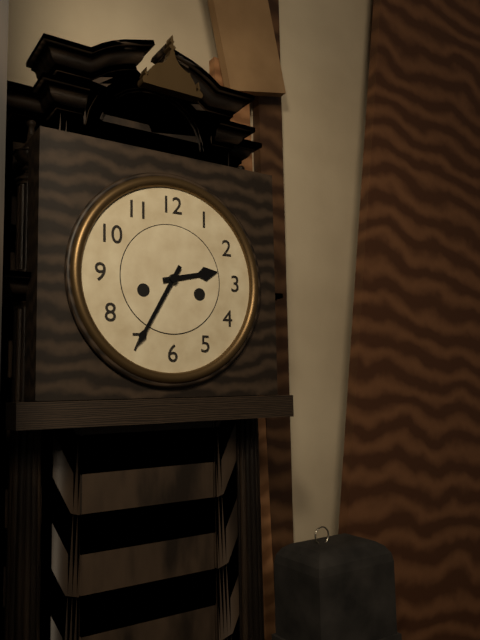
2:35
